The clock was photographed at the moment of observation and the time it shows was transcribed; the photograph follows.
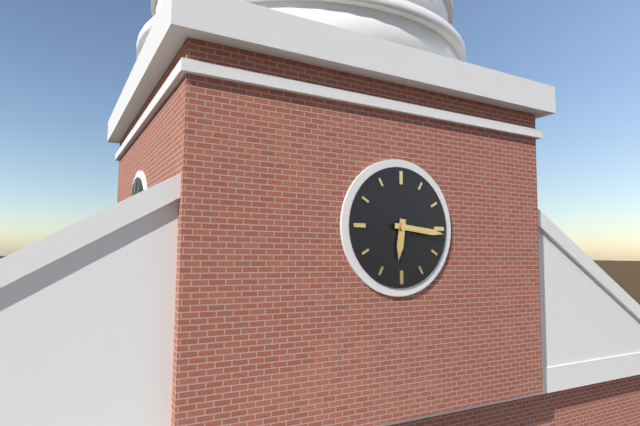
6:16
